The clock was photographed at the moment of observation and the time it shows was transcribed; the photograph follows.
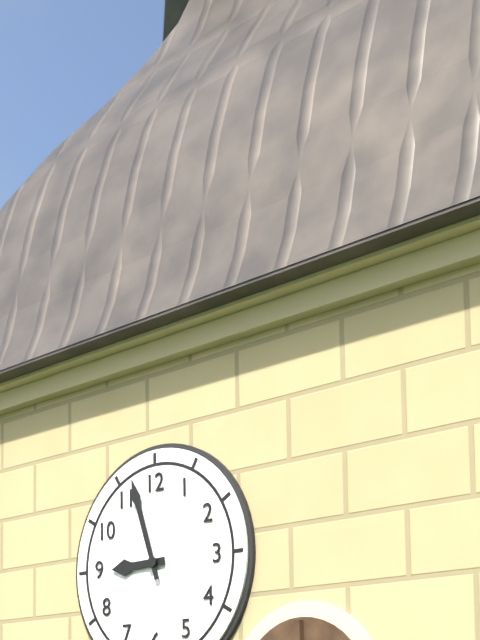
8:57
